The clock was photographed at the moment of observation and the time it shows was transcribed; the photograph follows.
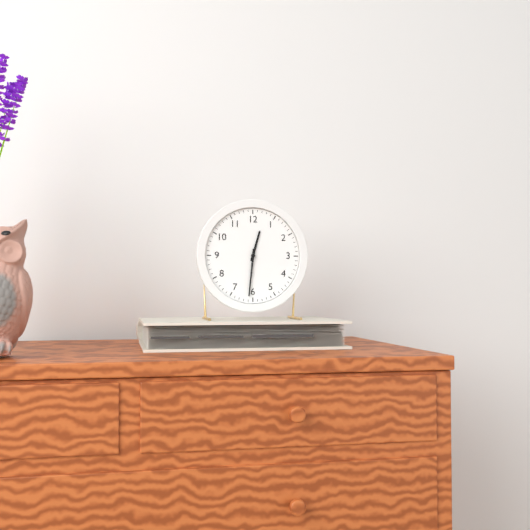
12:31
